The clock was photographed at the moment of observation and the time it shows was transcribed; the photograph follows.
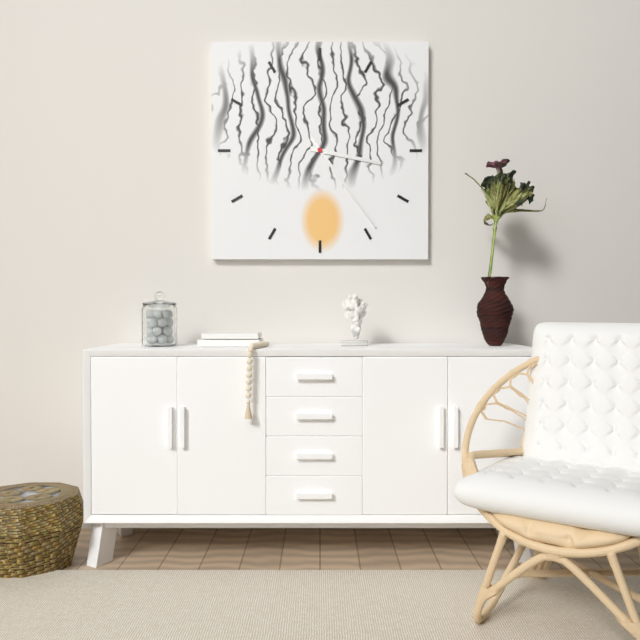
3:24
